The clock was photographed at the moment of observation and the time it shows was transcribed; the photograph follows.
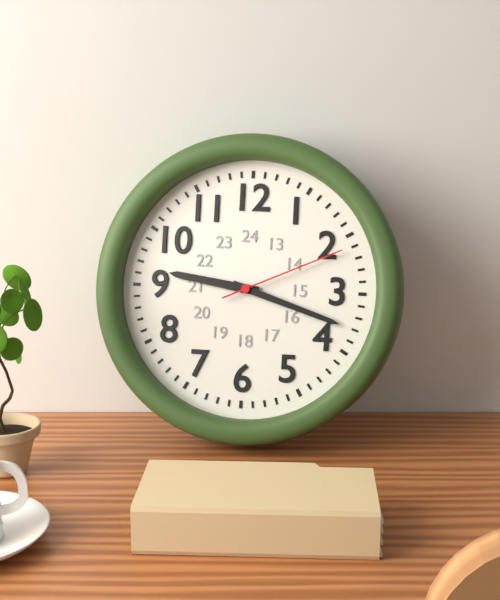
9:18:11
